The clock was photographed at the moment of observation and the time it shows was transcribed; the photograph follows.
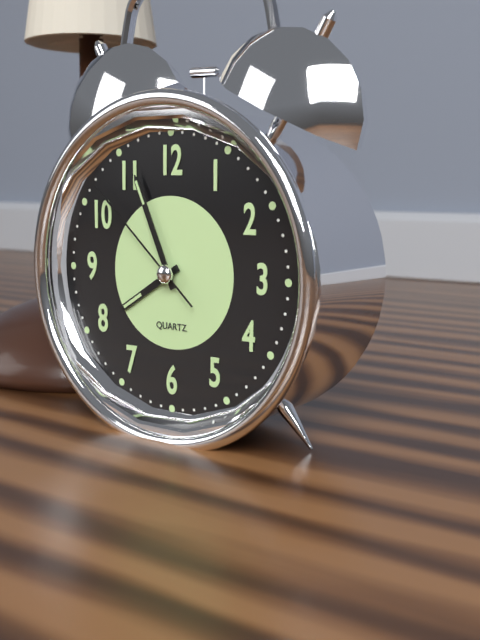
7:56:52
